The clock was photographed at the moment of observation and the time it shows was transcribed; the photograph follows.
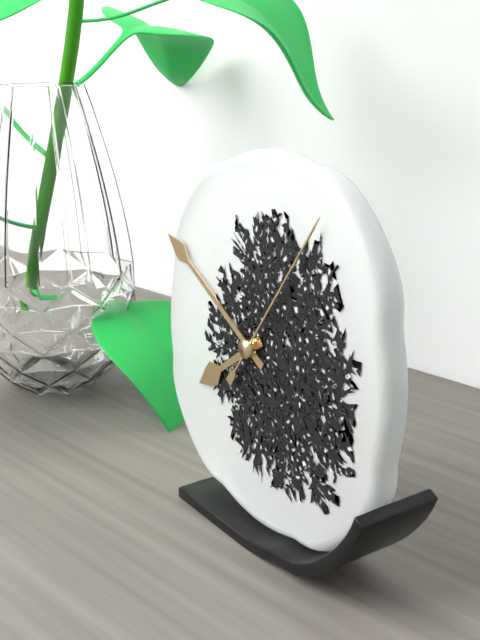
7:50:06
